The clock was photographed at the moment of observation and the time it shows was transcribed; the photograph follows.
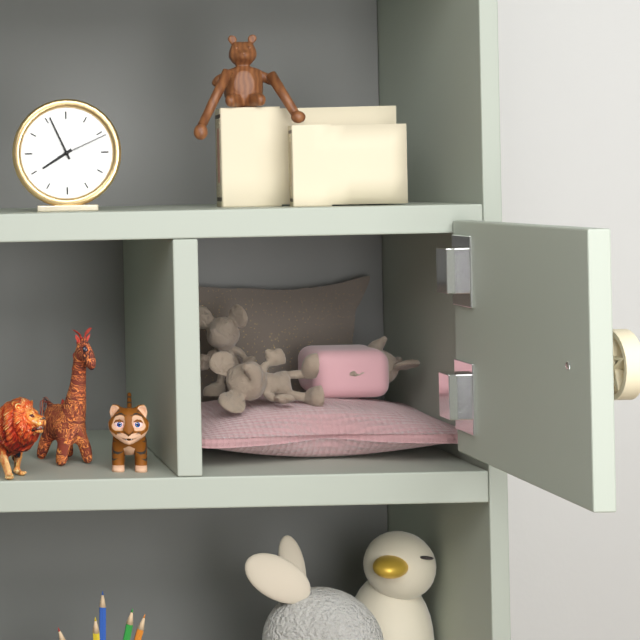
7:56:11
